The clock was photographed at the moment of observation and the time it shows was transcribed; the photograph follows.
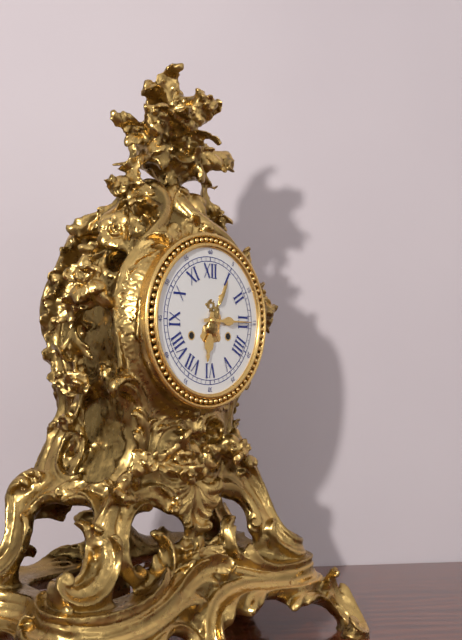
6:15
